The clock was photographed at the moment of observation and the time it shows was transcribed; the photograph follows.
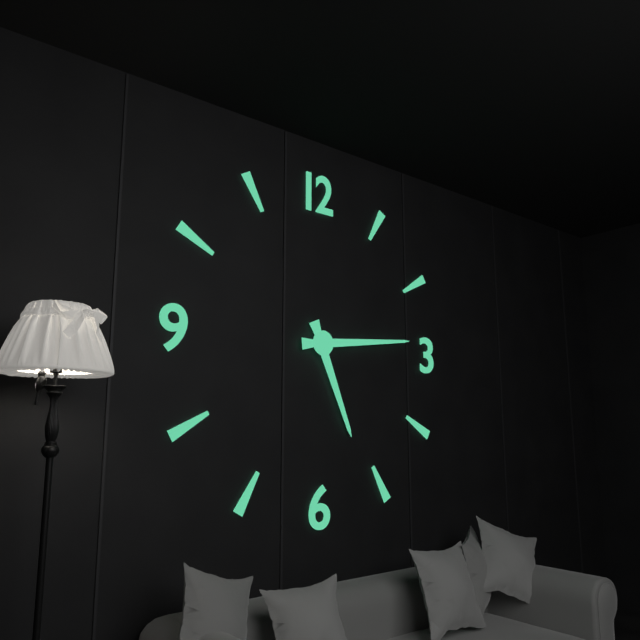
5:14
